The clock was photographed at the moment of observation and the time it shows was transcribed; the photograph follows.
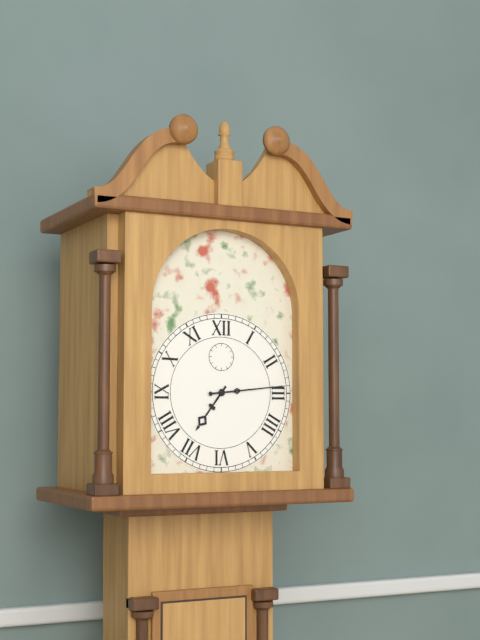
7:14
